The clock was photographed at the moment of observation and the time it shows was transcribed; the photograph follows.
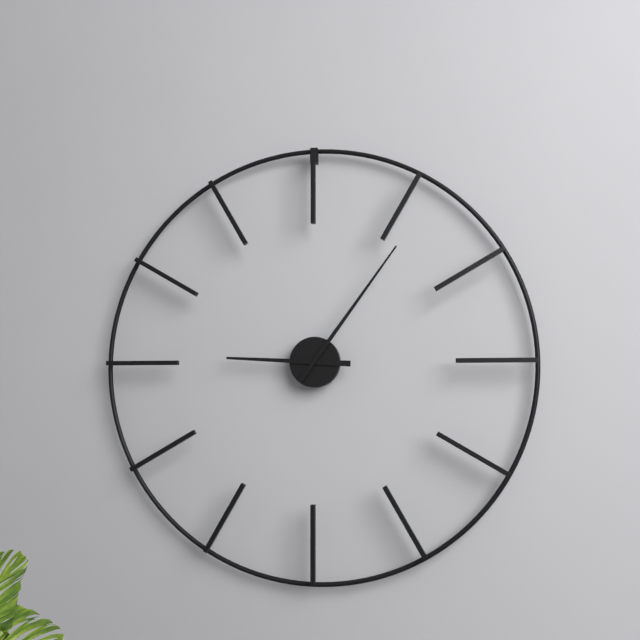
9:06
